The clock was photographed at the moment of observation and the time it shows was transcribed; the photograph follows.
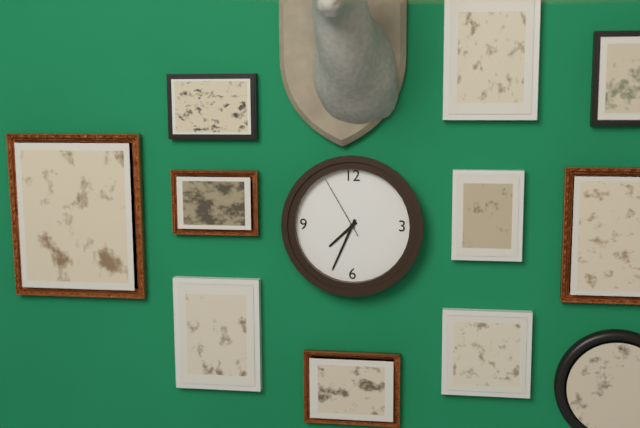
7:34:55
